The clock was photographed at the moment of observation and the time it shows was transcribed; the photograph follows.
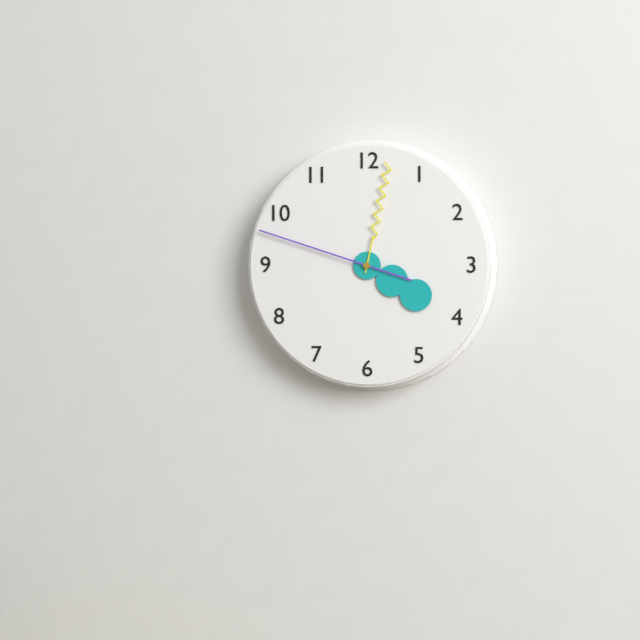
4:02:48
